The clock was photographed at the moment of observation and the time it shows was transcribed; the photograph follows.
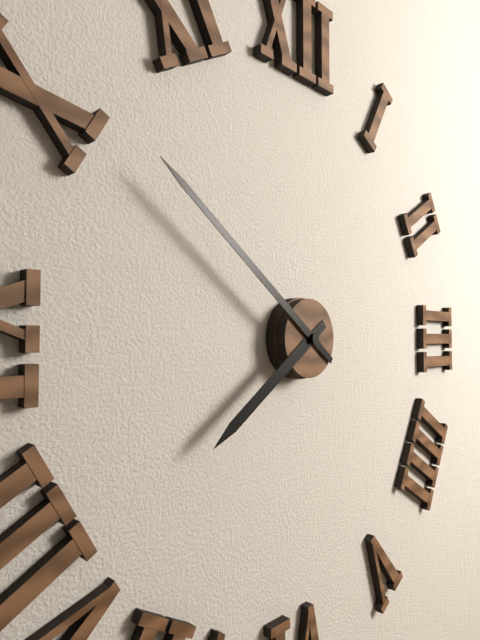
7:51
